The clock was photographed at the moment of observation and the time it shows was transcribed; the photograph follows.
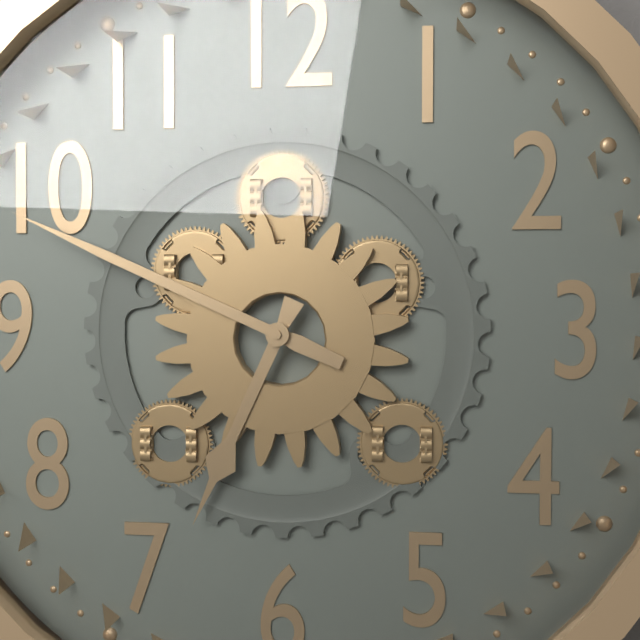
6:49
